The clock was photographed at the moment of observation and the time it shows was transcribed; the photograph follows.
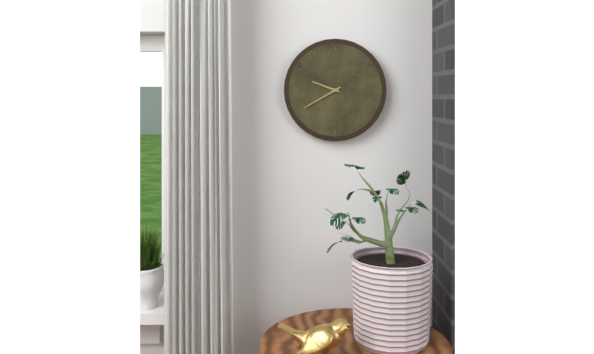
9:40
